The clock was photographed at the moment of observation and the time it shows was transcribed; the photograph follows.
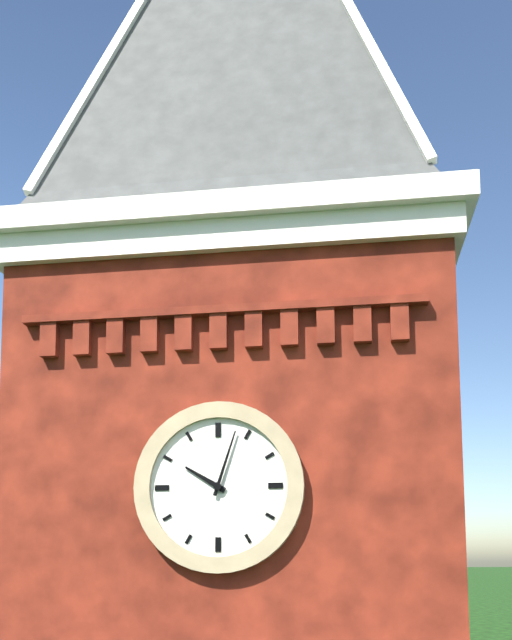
10:03
